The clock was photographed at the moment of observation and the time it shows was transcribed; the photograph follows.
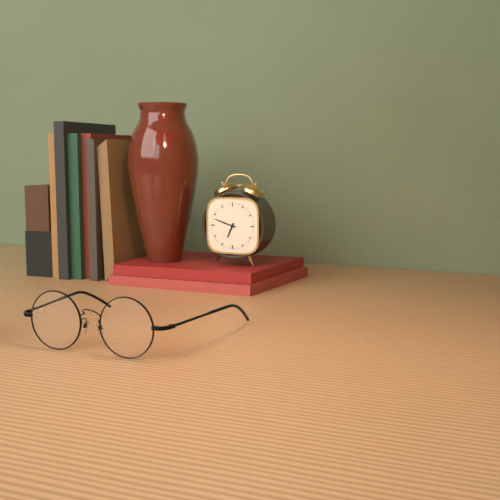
6:48
